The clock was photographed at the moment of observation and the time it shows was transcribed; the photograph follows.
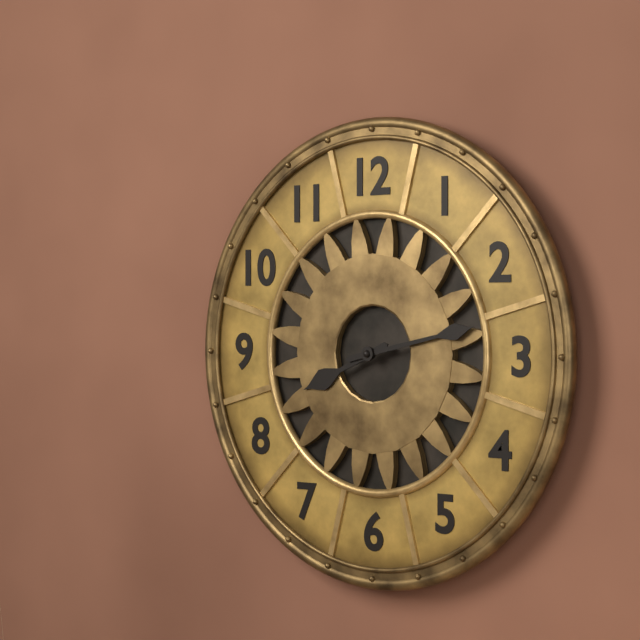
8:13
